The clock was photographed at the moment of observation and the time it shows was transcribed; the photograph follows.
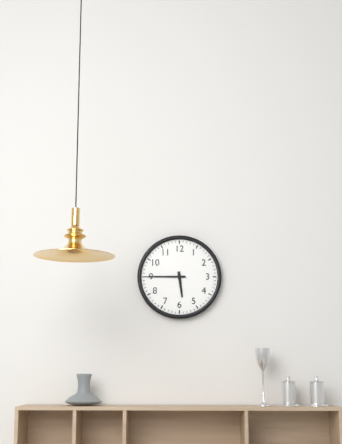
5:45
